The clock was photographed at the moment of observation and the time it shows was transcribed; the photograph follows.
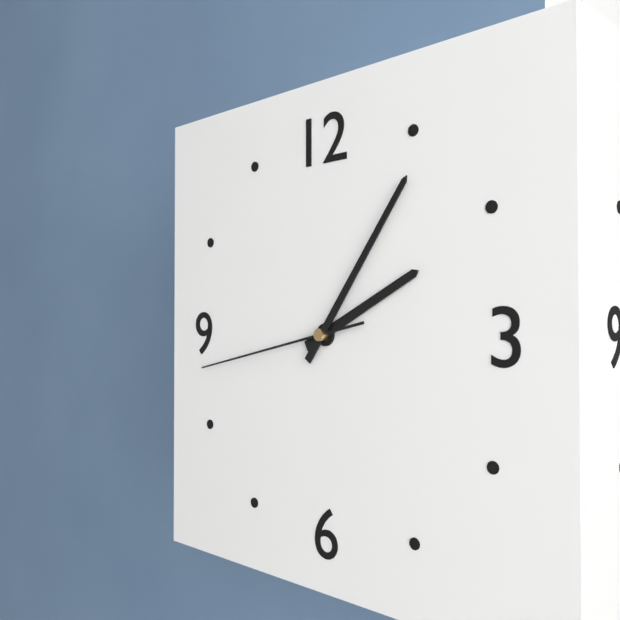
2:06:43
